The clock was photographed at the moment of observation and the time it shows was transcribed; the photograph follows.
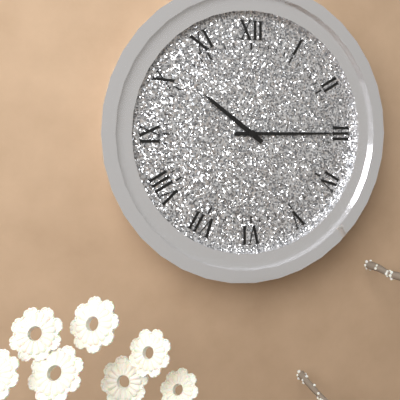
10:15
